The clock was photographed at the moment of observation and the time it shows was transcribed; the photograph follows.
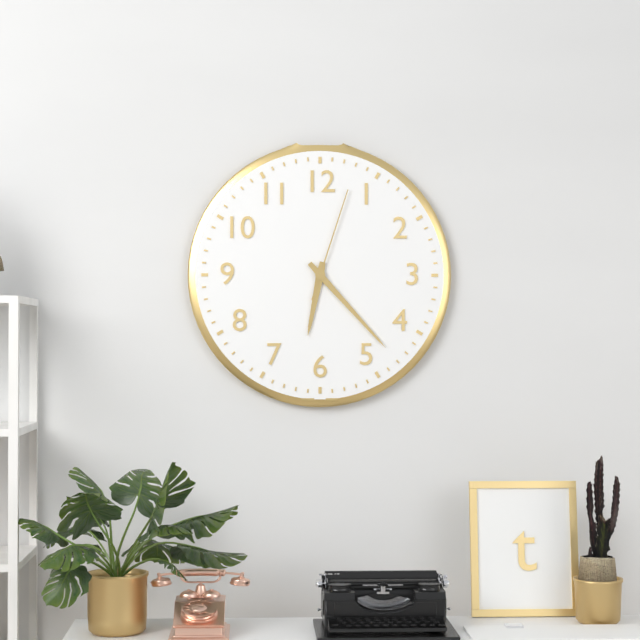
6:23:03
